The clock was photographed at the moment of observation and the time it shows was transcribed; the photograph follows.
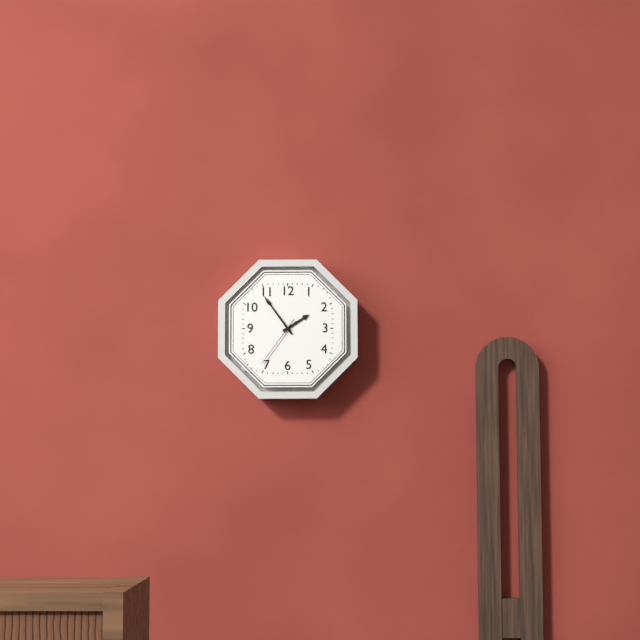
1:54:36
